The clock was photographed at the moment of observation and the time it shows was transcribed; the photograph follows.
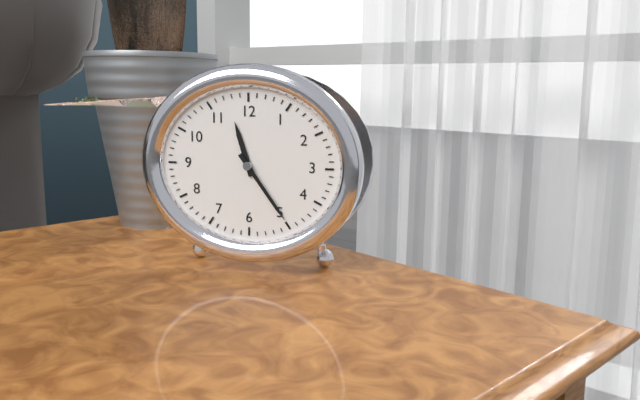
11:24
